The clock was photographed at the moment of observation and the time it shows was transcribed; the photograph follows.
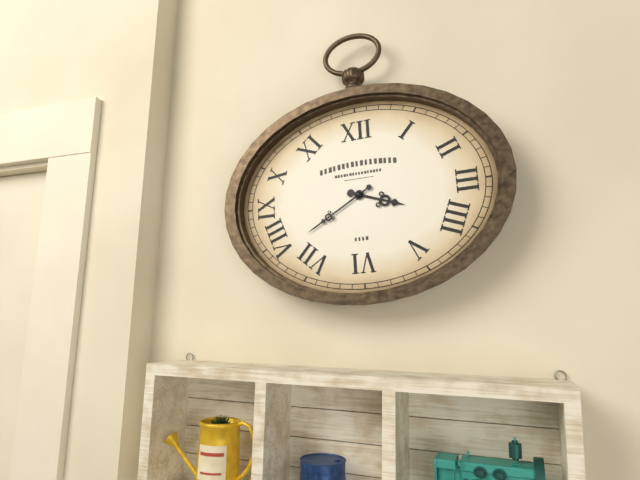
3:40
